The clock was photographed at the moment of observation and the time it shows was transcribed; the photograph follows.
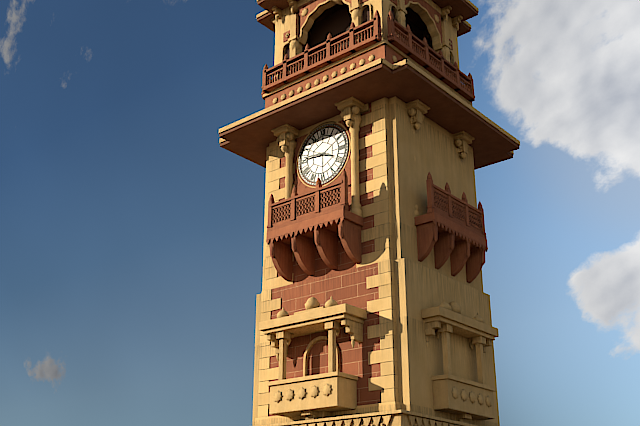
3:46
